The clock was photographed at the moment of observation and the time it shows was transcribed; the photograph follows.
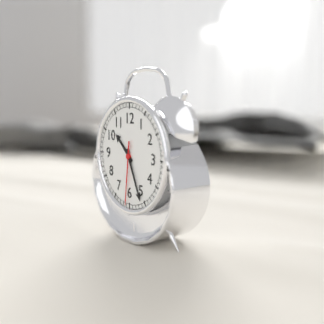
10:26:31
